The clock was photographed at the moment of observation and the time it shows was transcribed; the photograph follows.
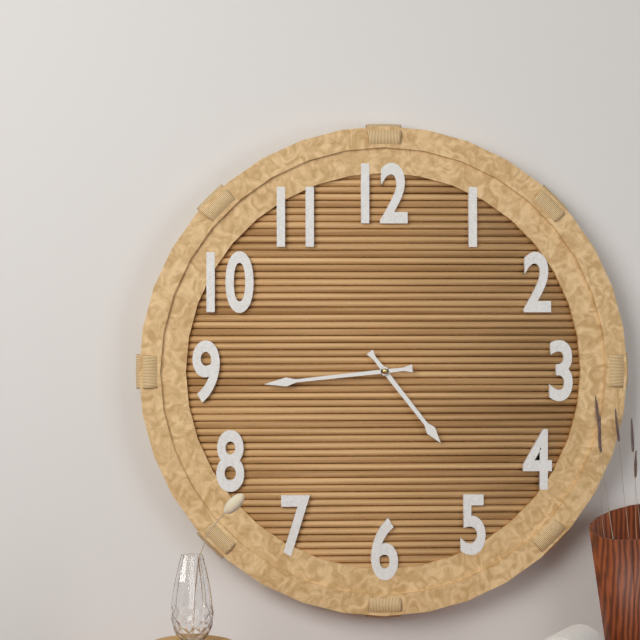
4:44
